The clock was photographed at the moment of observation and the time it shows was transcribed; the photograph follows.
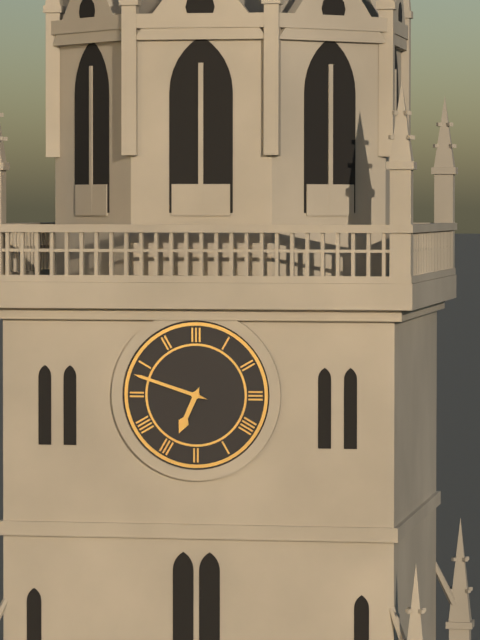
6:48
